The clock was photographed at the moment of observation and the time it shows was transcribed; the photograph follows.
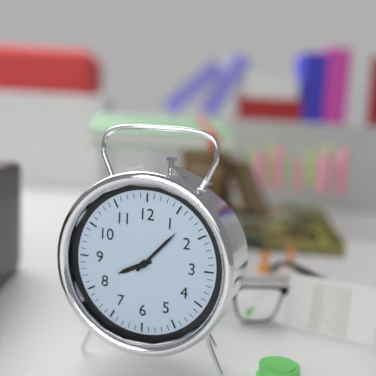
8:07
